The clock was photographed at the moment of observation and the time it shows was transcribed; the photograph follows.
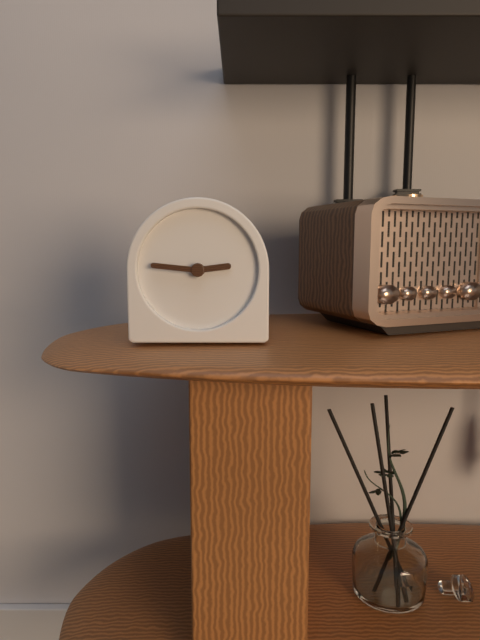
2:46
